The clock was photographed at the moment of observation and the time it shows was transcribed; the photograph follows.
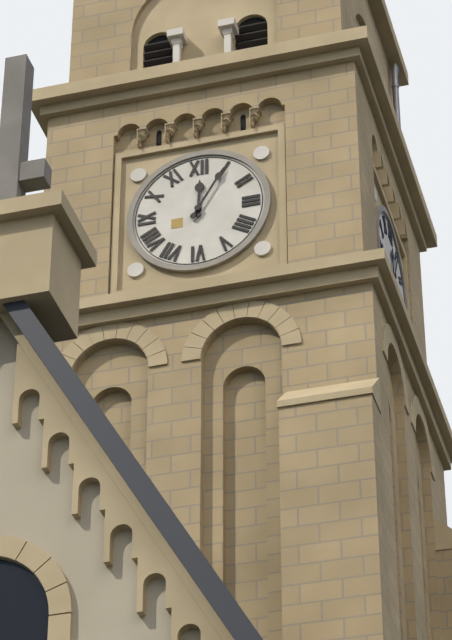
12:05
